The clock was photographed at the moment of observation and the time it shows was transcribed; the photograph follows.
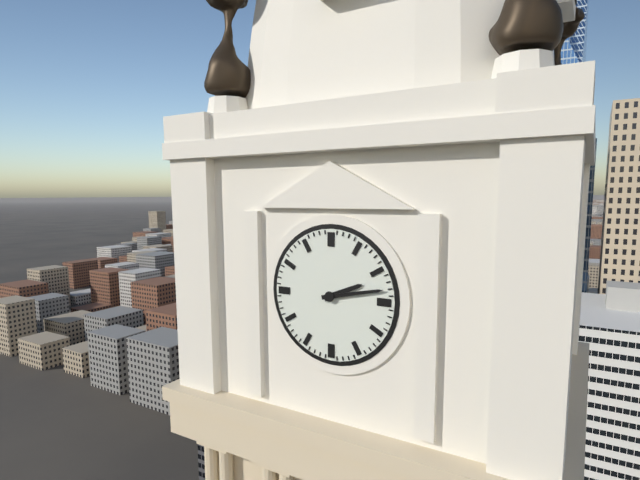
2:13
